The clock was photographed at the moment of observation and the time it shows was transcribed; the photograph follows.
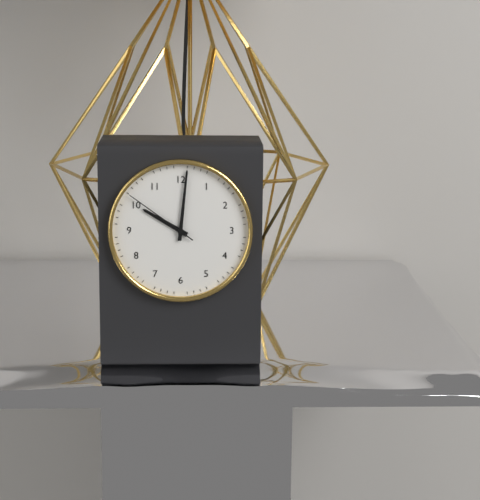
10:01:51
